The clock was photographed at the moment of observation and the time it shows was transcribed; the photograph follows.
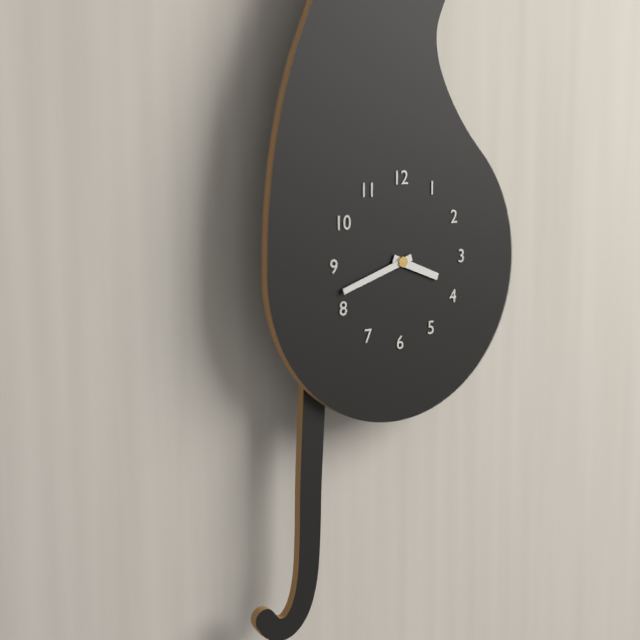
3:42
